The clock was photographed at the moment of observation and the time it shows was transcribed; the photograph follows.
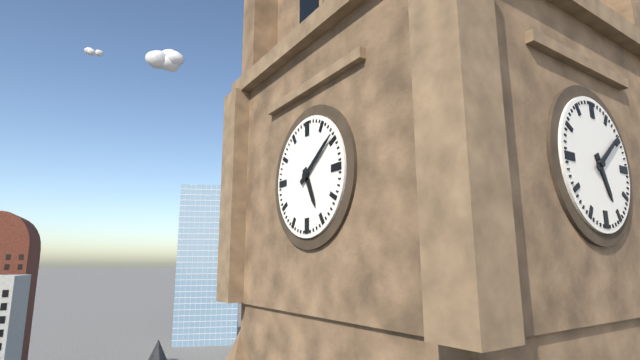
5:09
